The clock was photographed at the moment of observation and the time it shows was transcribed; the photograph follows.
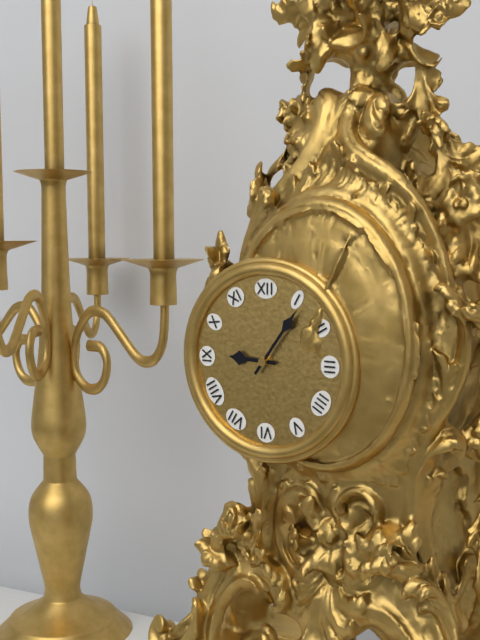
9:06
